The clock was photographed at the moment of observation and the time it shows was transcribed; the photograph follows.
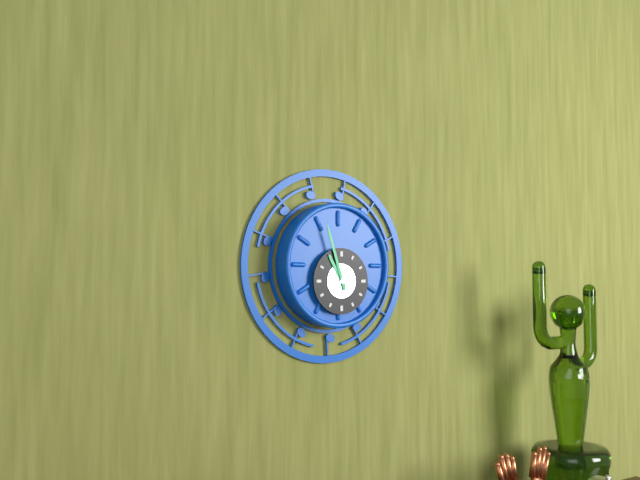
10:57
